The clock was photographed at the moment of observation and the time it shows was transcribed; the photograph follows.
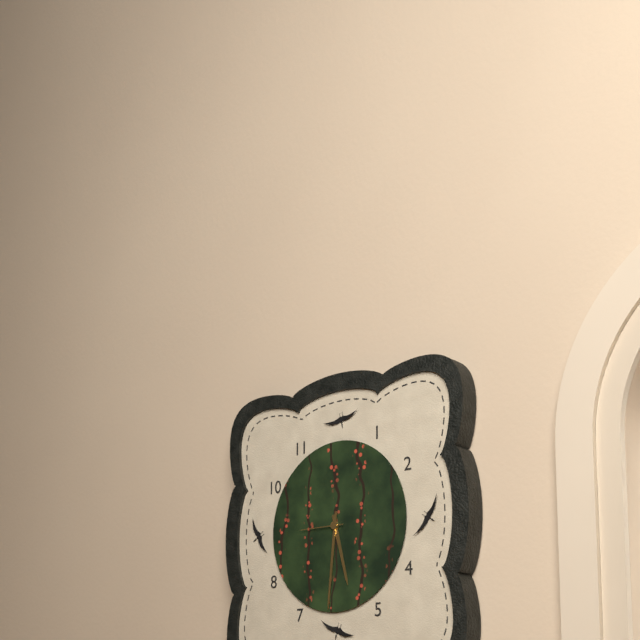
5:31
